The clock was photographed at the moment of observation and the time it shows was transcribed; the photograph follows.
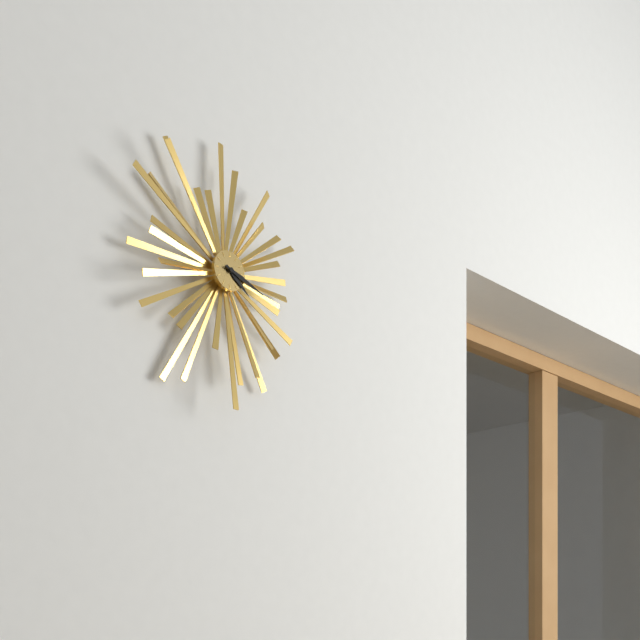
4:18
